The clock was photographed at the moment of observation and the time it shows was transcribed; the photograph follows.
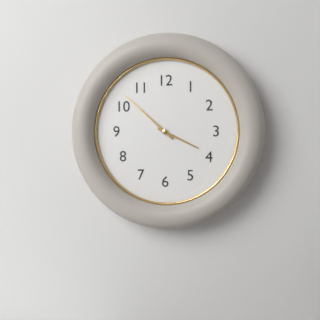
3:52
